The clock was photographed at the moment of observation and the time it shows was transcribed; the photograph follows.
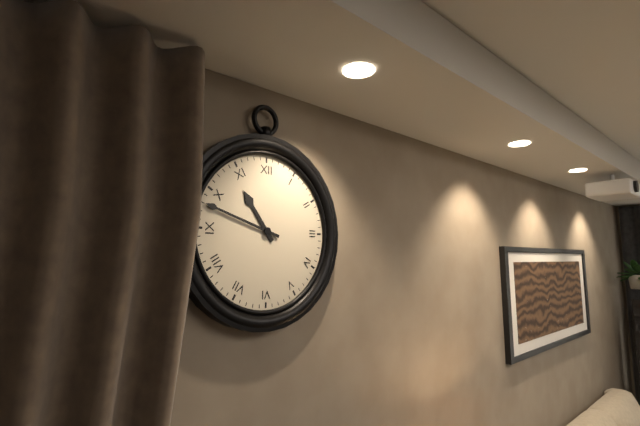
10:48
